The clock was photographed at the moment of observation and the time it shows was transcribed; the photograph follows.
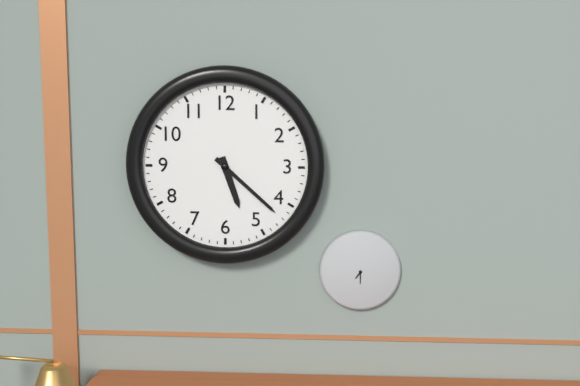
5:22
